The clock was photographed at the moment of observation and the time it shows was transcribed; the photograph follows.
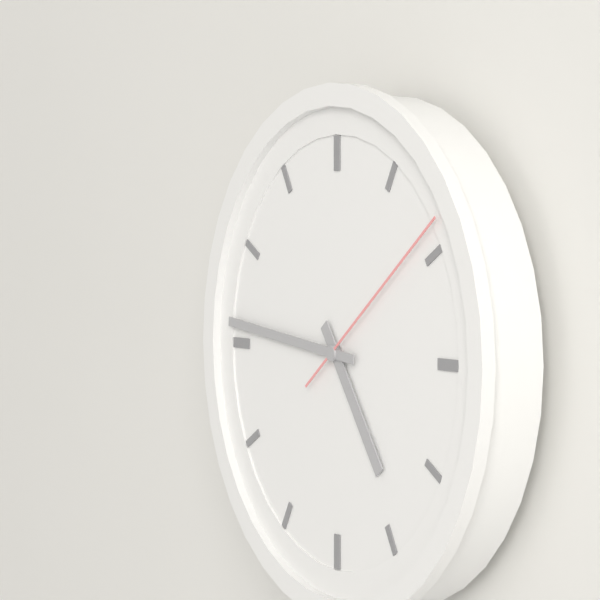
4:46:09
